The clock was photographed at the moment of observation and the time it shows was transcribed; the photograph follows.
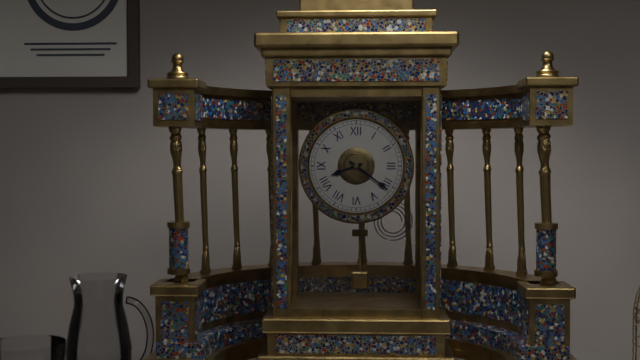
8:21
